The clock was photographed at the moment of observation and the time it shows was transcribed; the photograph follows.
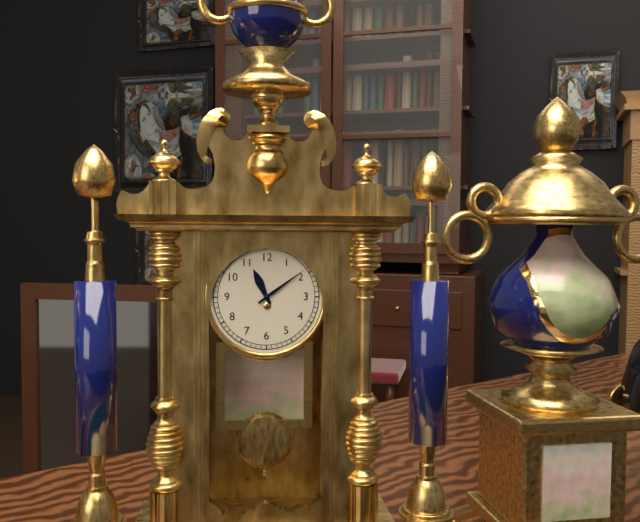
11:09
